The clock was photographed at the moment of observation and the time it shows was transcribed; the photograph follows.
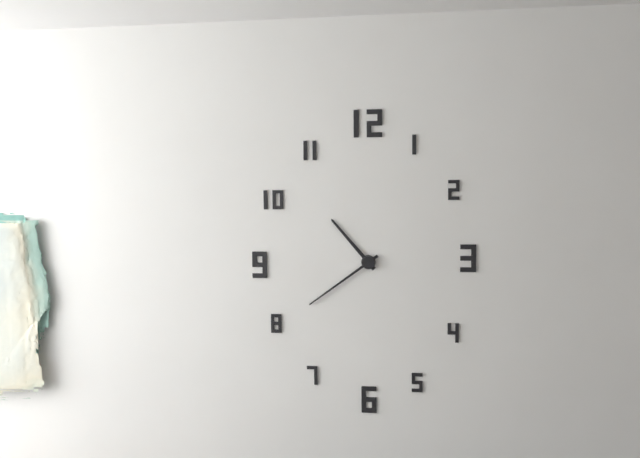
10:39
